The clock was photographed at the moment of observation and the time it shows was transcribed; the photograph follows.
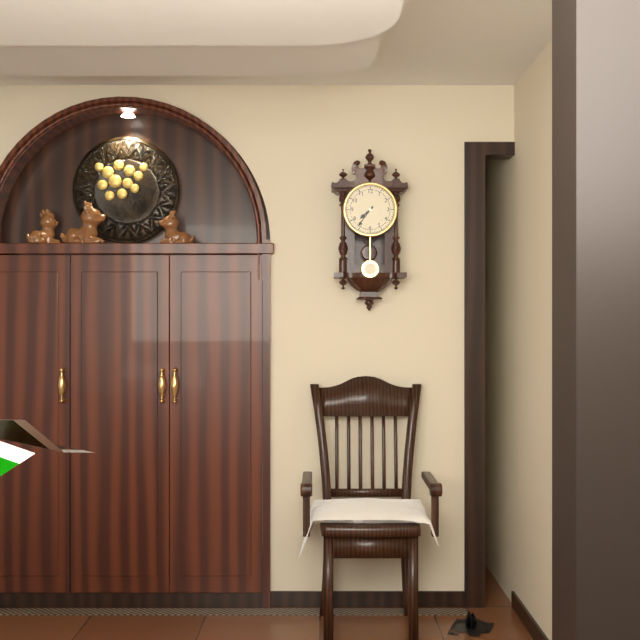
7:36
